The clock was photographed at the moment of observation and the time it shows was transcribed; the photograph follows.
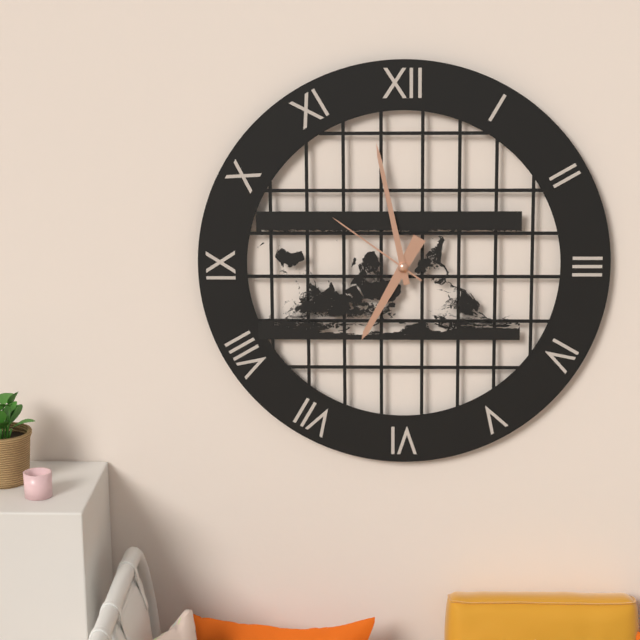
6:58:51
